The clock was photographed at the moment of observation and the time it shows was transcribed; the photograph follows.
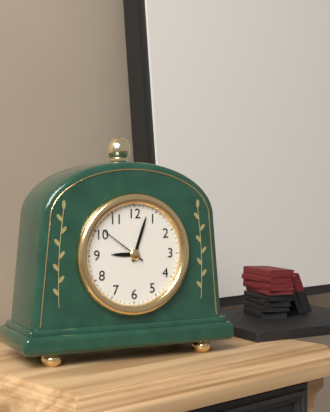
9:03
